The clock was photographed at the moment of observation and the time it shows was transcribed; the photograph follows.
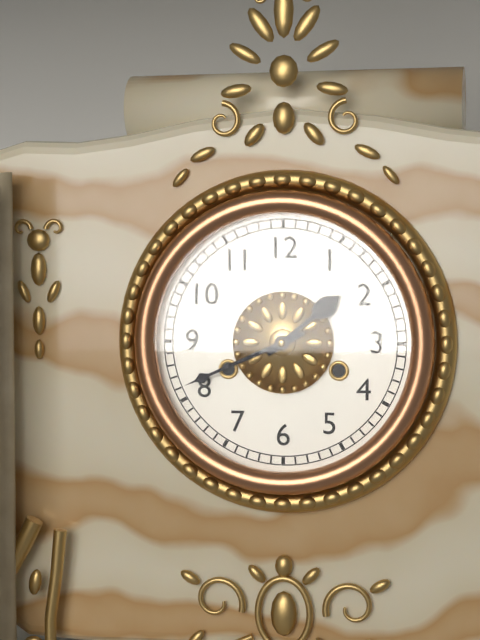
1:41
